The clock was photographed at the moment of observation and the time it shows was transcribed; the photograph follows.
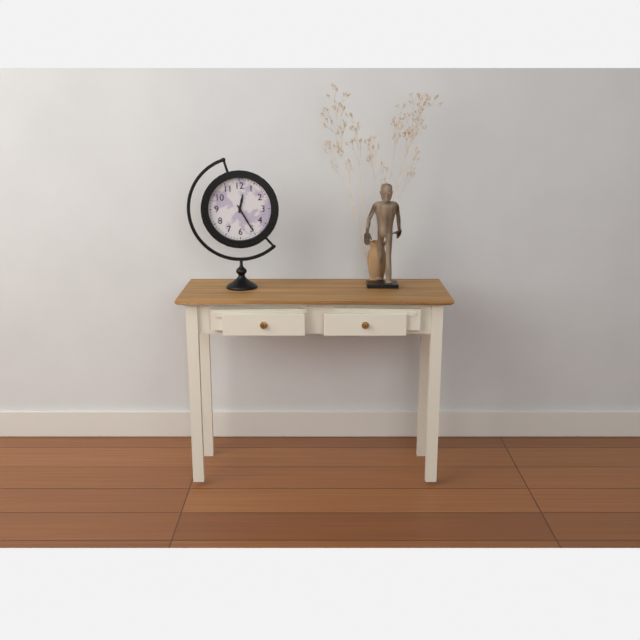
12:25
